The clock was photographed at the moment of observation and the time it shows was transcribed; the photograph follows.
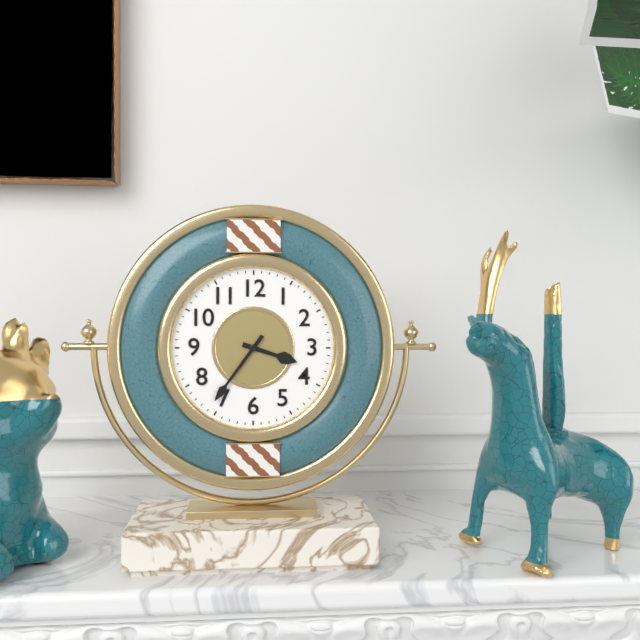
3:36
